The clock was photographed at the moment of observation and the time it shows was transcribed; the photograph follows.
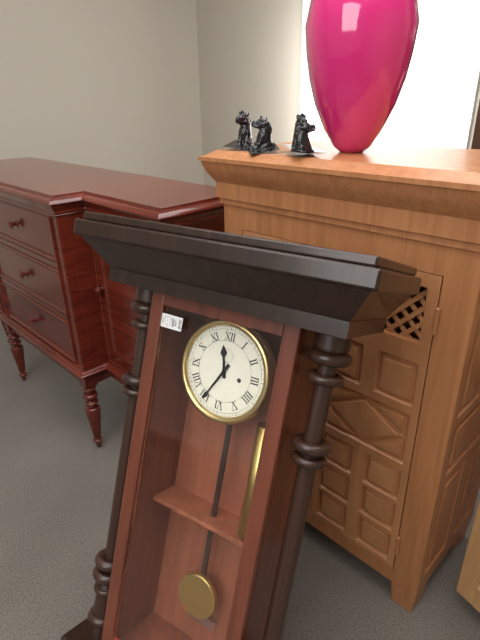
11:35
